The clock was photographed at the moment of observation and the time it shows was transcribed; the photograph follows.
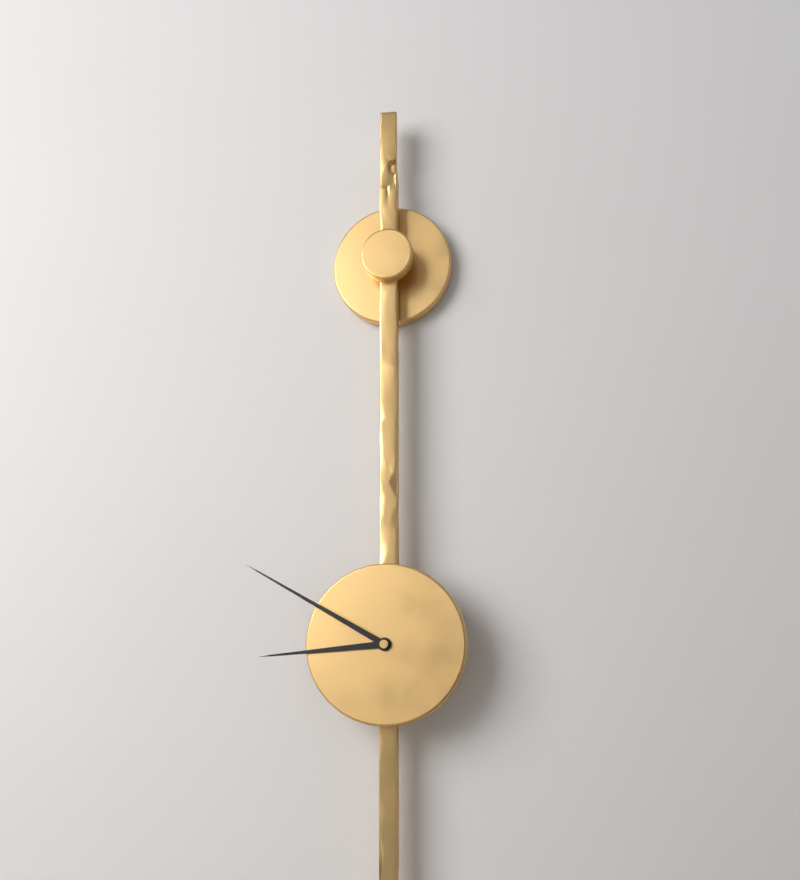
8:50
